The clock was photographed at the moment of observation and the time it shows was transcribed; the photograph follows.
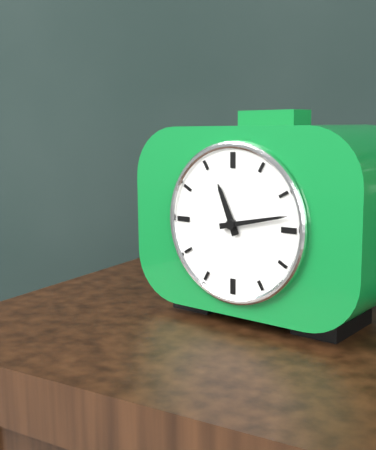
11:13
